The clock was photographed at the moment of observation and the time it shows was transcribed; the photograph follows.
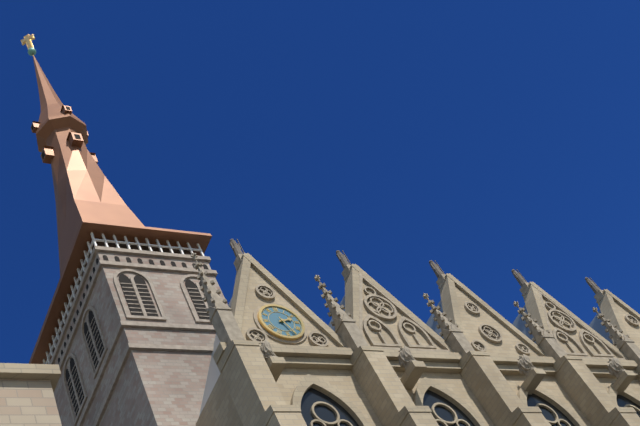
2:26
